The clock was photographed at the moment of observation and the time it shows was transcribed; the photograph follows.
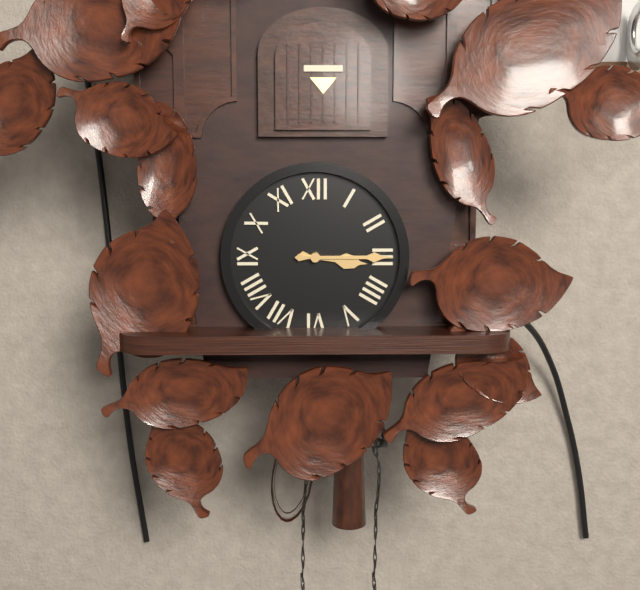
3:15
